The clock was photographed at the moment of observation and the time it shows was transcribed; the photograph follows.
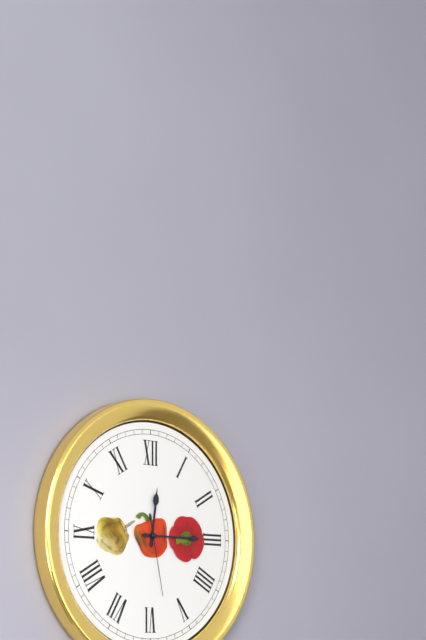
12:15:28
